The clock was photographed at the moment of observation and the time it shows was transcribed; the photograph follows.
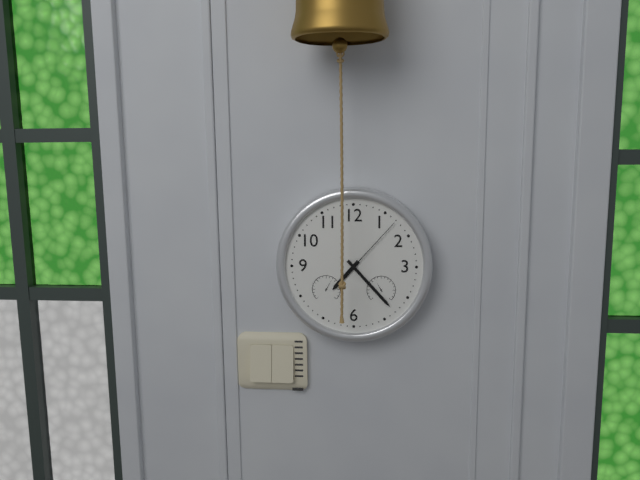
7:23:07
